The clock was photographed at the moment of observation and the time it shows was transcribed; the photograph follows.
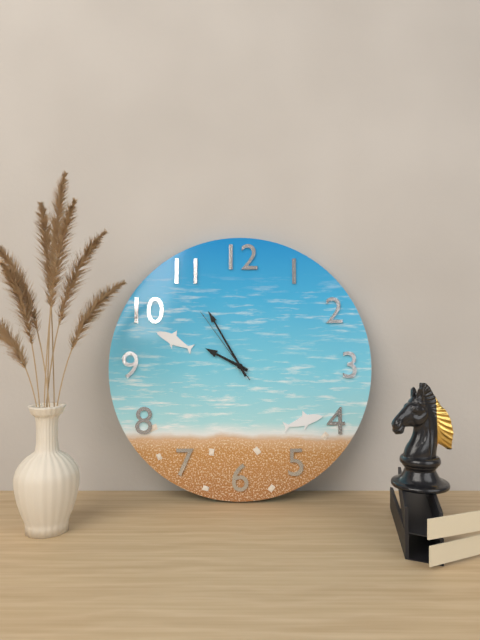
9:55:54
